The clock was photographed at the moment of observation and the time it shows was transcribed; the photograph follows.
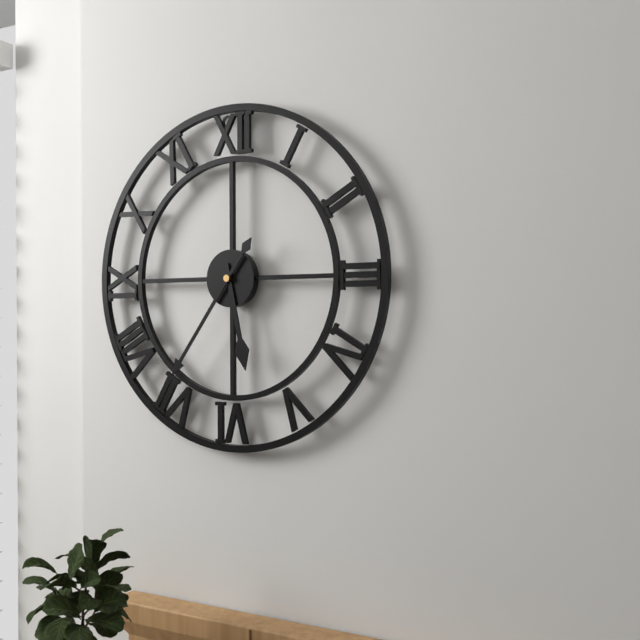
5:36
